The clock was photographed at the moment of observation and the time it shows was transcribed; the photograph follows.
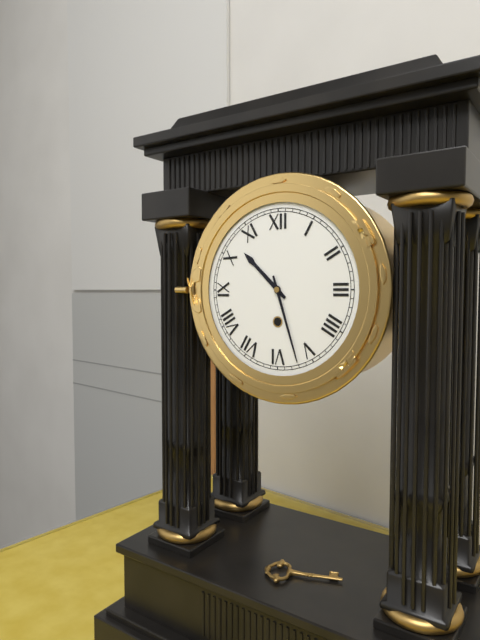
10:27
